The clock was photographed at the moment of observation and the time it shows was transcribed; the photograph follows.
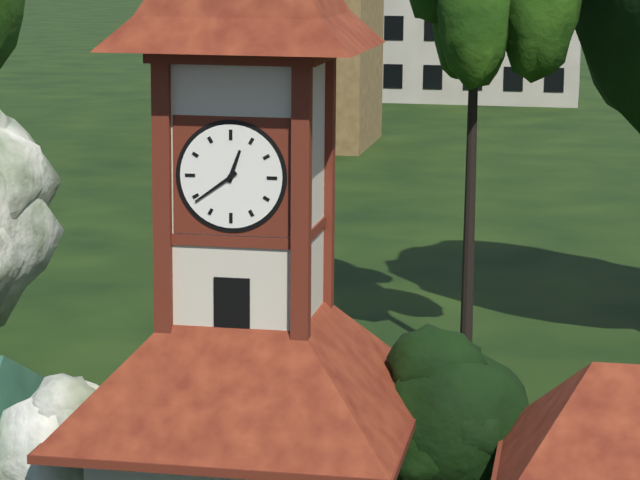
12:39
